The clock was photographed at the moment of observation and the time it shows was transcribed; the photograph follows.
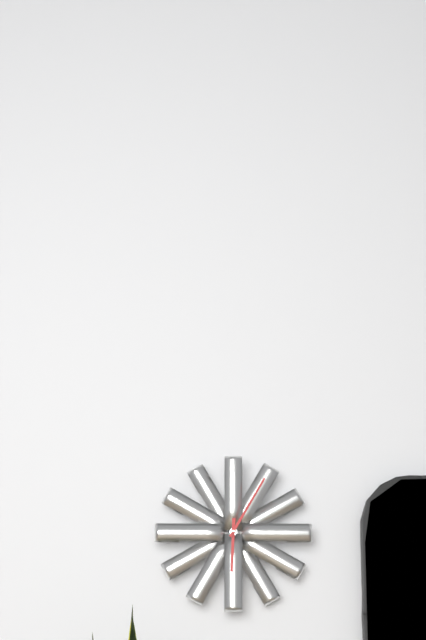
6:05
